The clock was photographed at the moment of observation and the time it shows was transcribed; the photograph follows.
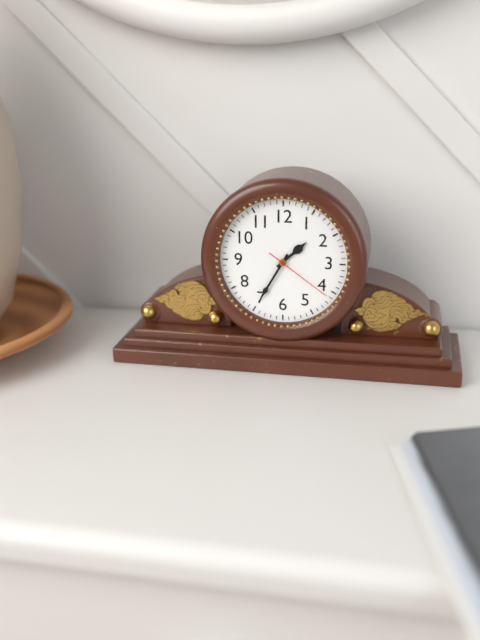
1:35:21
